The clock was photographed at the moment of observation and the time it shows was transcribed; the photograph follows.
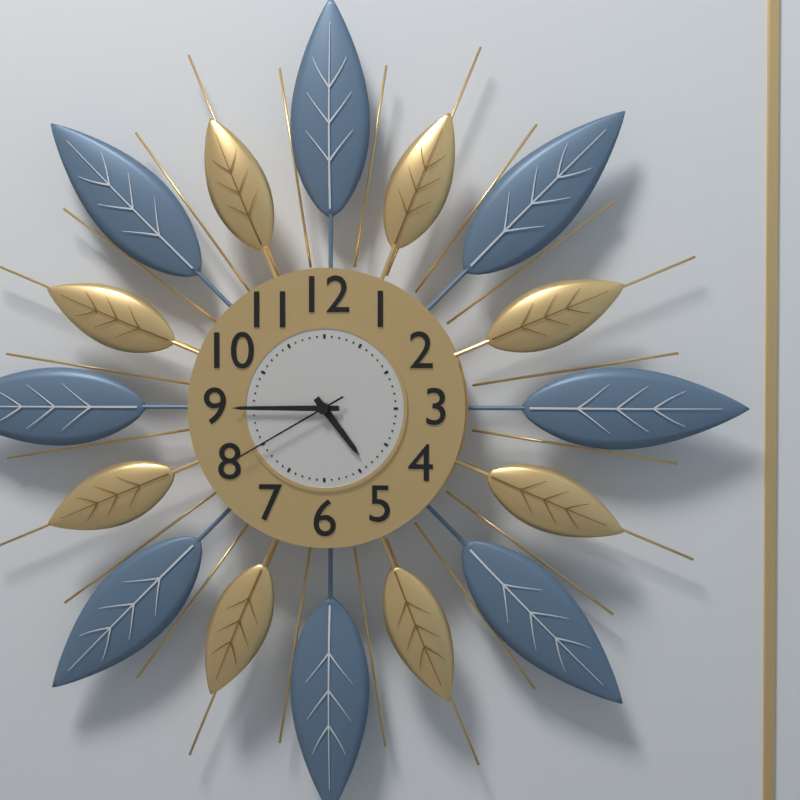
4:45:40
